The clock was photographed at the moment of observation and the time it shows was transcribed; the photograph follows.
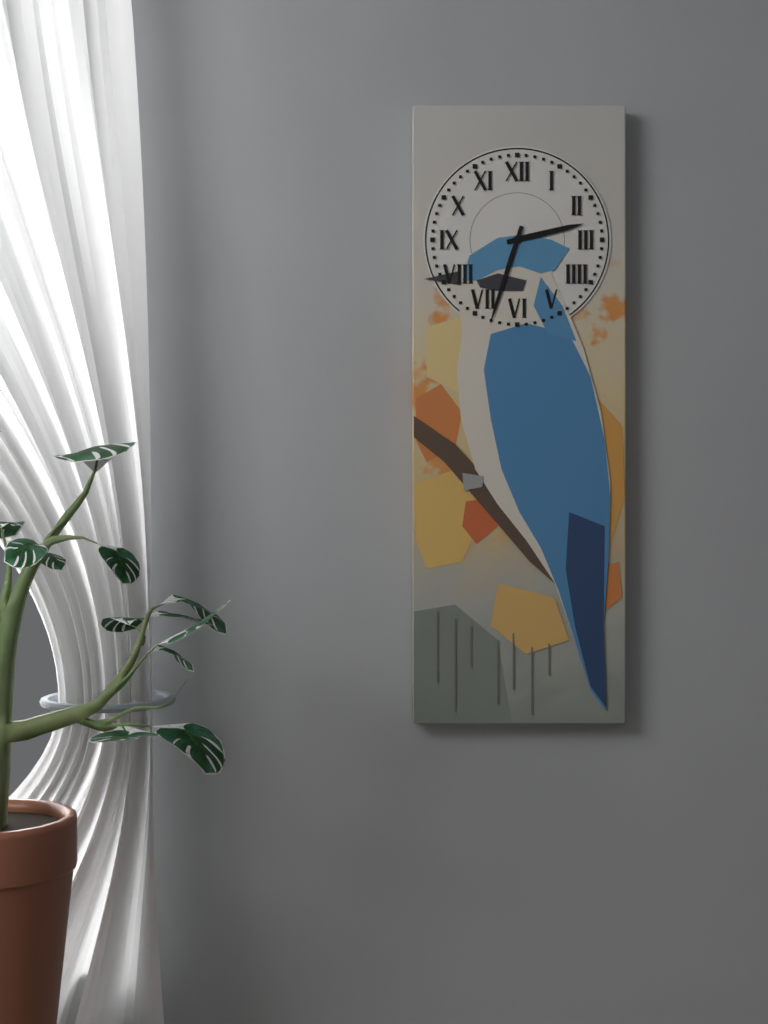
2:33
